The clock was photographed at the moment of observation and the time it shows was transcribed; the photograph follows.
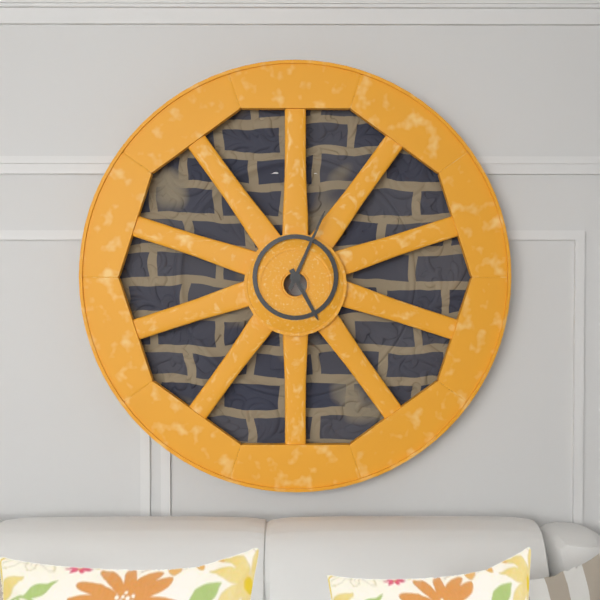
5:04
